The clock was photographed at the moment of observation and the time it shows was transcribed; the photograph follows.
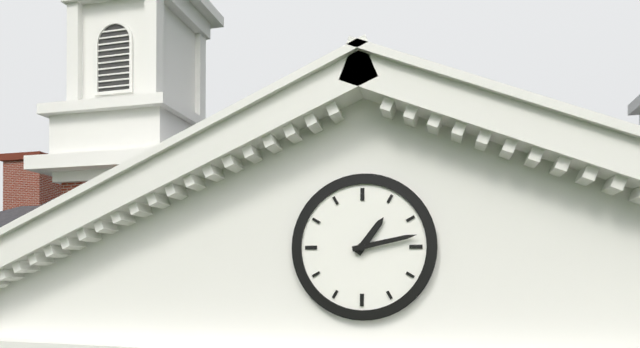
1:13
